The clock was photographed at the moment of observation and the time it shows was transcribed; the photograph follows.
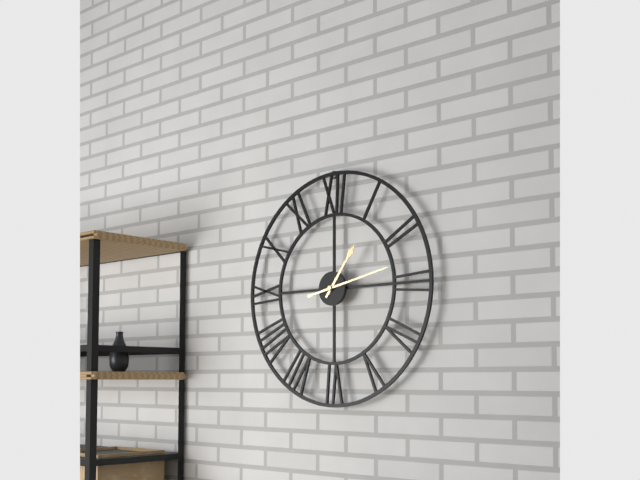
1:13
